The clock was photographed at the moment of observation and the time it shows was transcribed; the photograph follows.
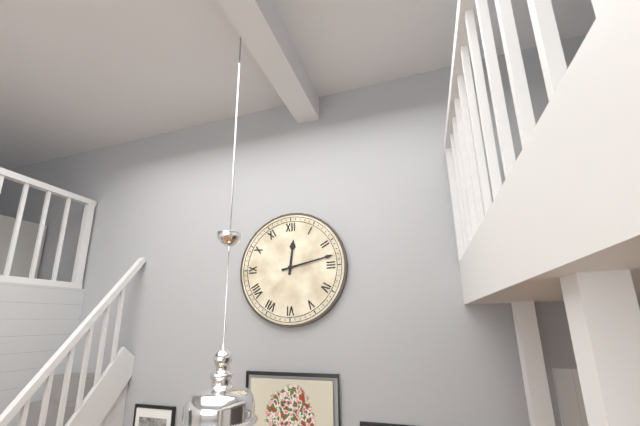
12:13
